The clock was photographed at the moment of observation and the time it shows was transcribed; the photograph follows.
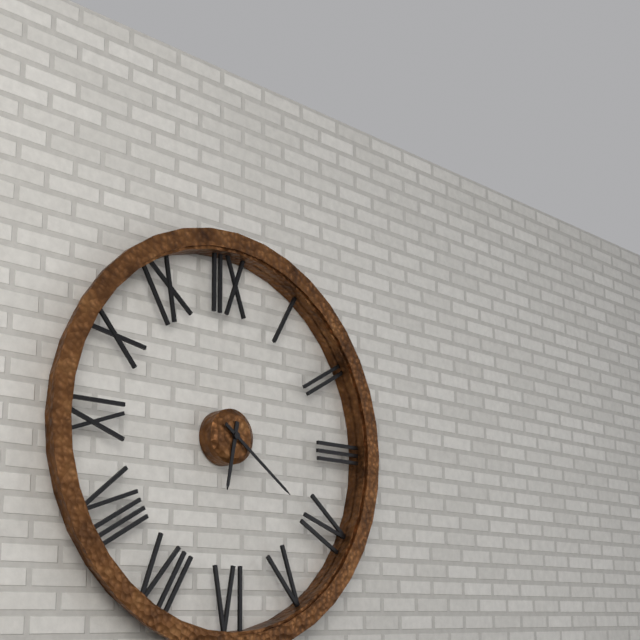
6:21
